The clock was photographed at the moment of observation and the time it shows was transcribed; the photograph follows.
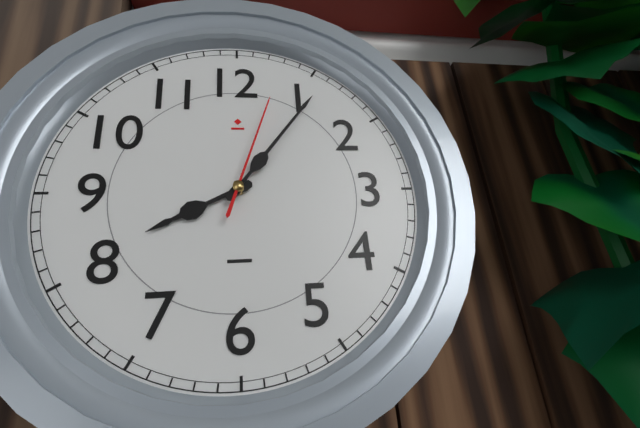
8:06:03
